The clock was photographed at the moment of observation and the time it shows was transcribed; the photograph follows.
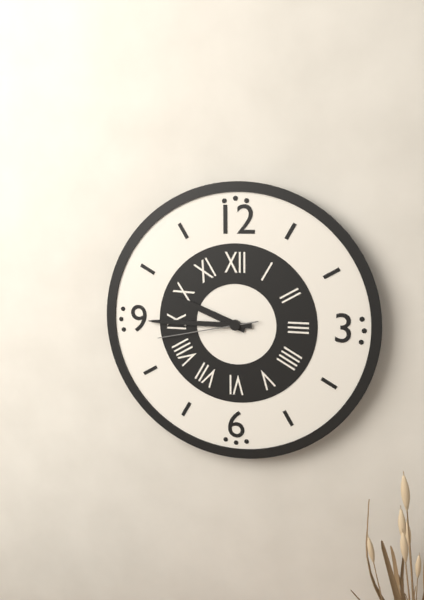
9:45:43
